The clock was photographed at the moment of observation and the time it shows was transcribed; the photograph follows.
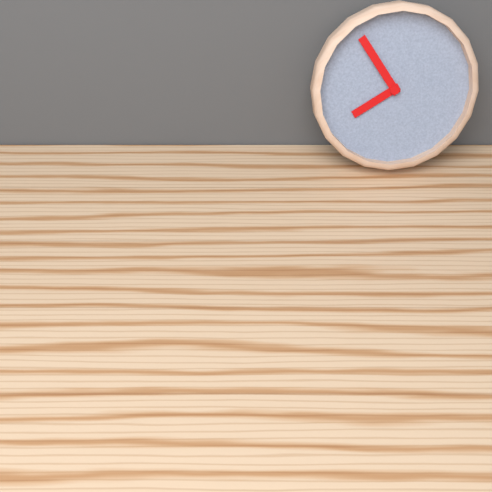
7:54
